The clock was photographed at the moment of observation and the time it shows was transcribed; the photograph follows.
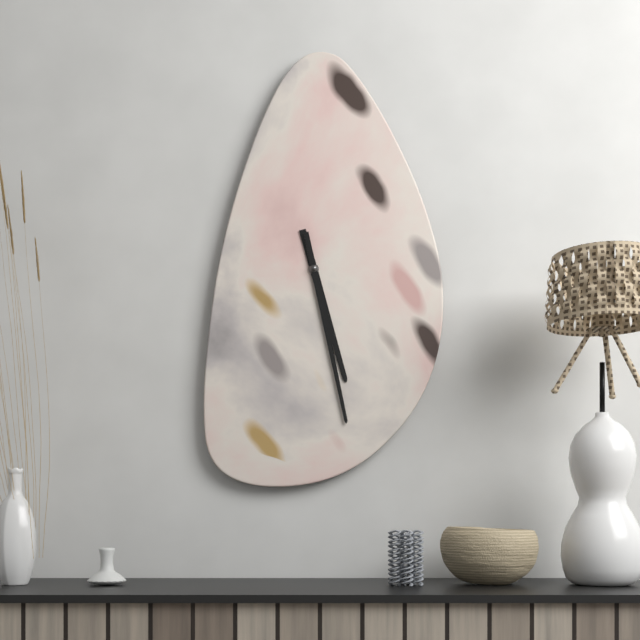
5:28
